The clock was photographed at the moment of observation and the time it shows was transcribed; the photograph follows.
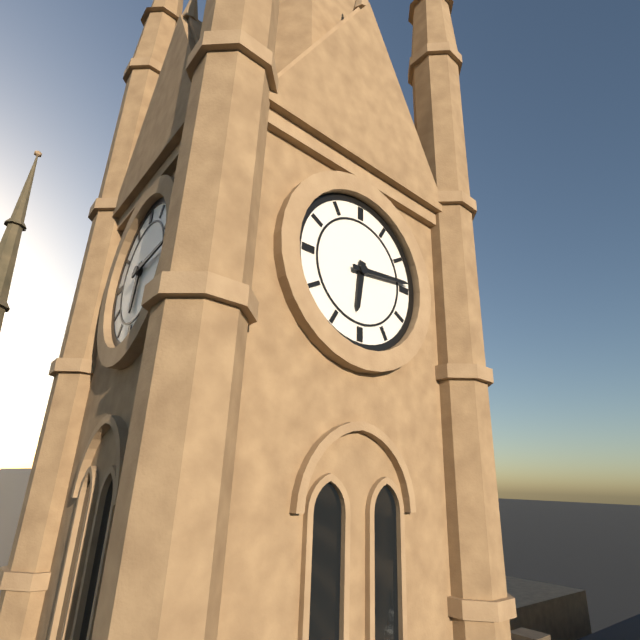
6:14
